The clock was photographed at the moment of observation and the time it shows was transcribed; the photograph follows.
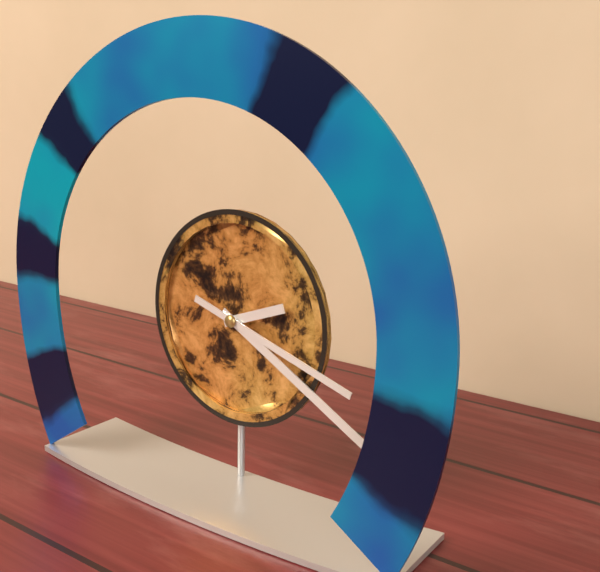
2:20:18
